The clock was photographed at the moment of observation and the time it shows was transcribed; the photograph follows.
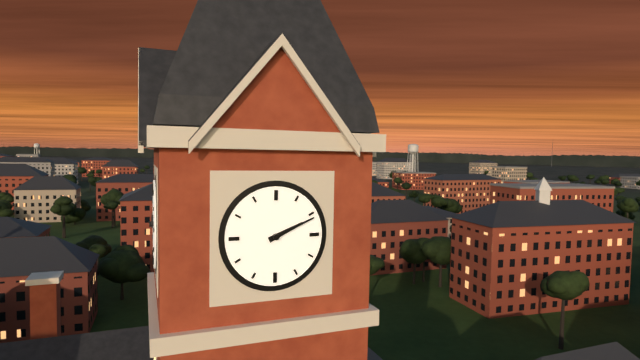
2:11
